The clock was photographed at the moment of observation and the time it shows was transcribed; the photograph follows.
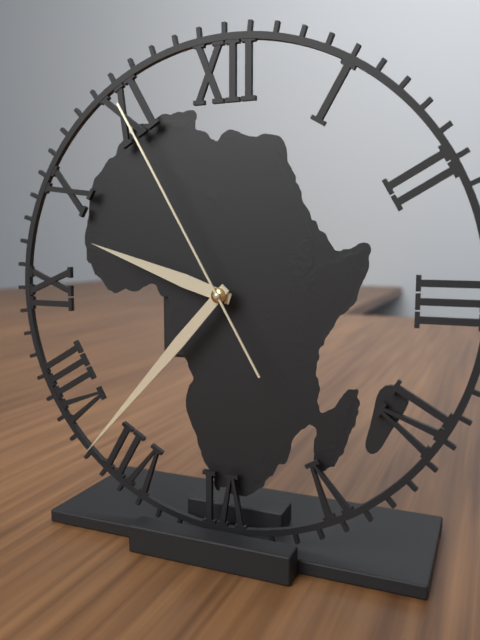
9:37:55
